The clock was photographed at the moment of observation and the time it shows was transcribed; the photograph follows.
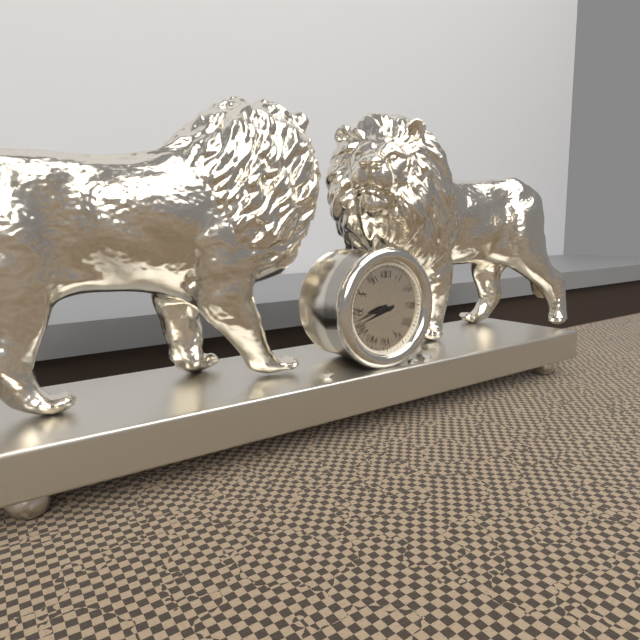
8:42
